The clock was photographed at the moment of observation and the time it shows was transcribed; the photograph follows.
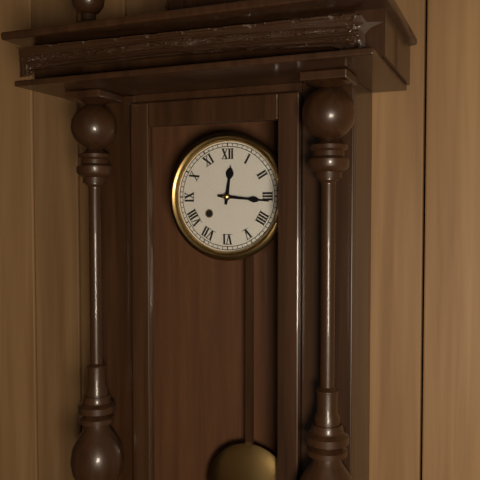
12:16
